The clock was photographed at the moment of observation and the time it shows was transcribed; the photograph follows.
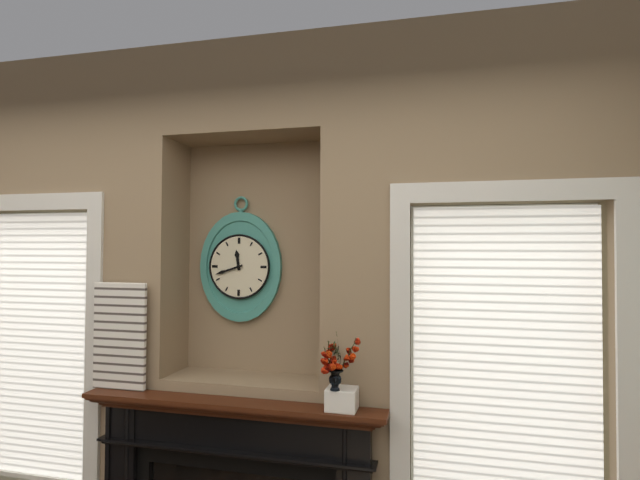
11:42
